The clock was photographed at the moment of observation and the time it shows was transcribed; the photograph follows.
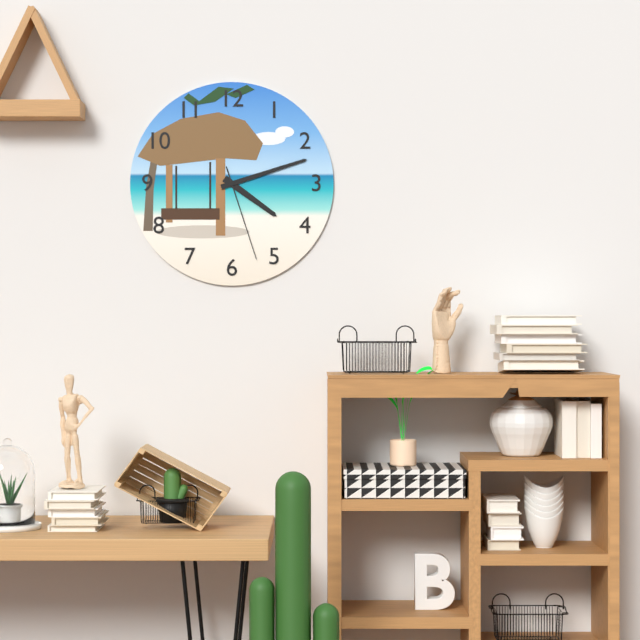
4:12:27
